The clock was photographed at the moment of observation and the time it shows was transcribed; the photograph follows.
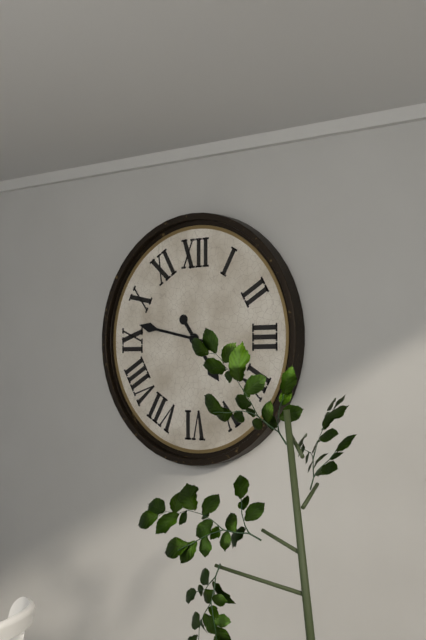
4:47
